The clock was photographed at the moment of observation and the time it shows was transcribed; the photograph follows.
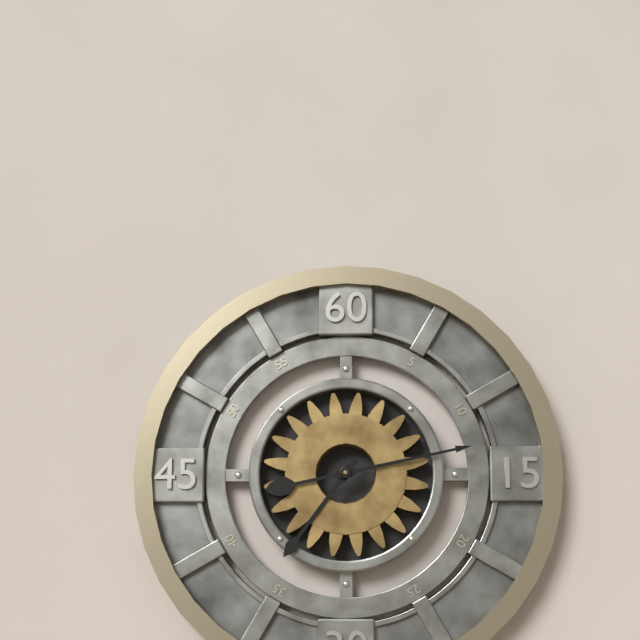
7:13
